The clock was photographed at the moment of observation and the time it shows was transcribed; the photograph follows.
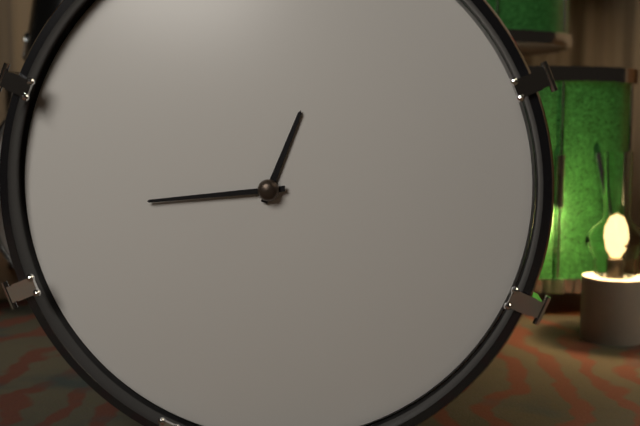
12:44
